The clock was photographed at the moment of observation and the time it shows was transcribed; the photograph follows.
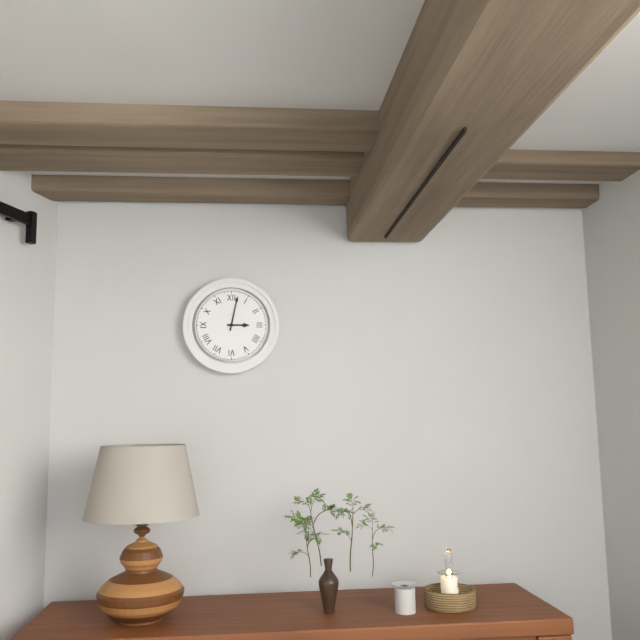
3:02
